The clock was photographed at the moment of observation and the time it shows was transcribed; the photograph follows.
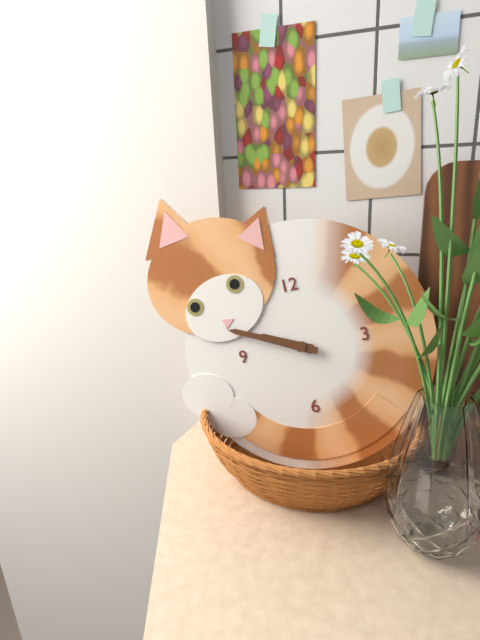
9:49
